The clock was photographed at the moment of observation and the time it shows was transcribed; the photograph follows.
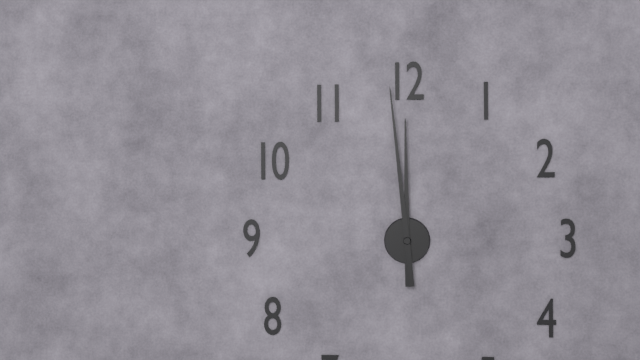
11:59
